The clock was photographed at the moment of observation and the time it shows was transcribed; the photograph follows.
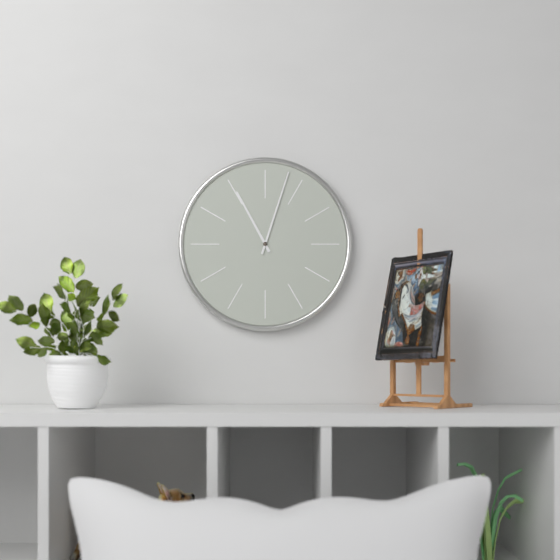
11:03
